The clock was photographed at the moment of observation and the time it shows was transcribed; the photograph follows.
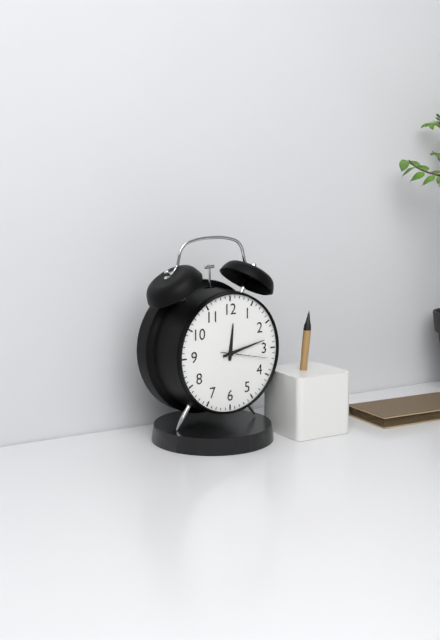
12:13
